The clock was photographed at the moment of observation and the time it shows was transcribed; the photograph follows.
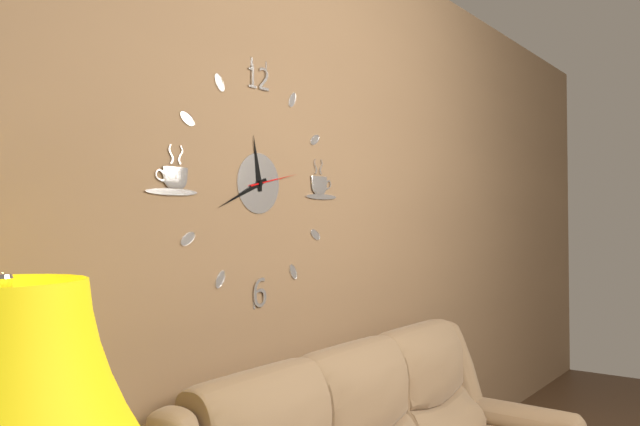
11:41
